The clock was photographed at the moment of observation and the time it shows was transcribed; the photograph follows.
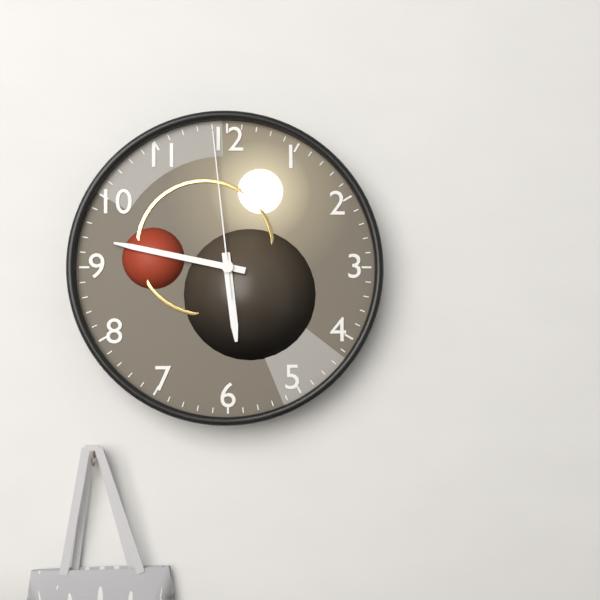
5:47:59
